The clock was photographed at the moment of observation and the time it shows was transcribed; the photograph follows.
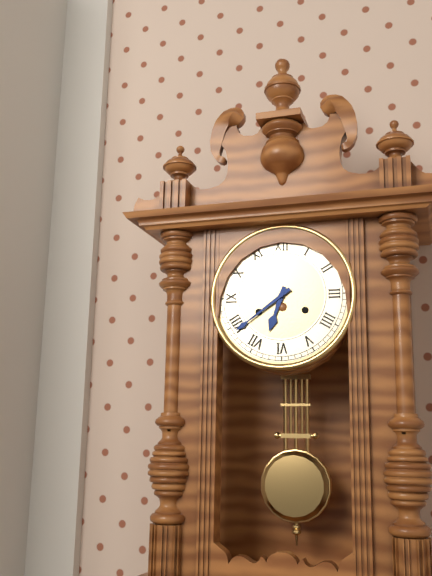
6:39
